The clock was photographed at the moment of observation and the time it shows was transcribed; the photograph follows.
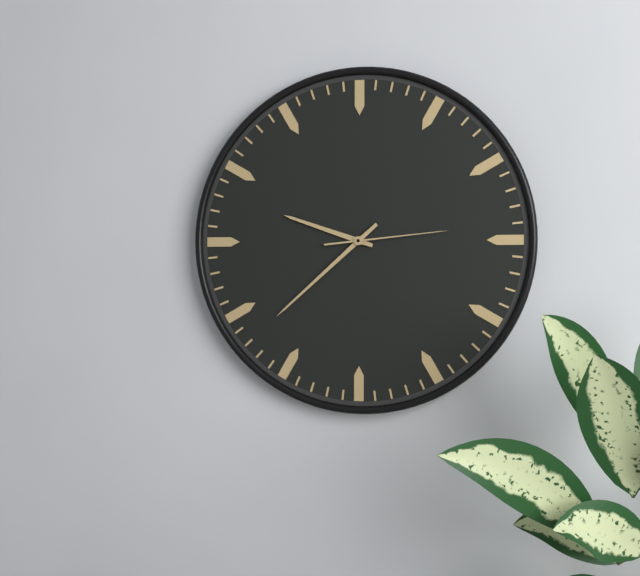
9:38:14
